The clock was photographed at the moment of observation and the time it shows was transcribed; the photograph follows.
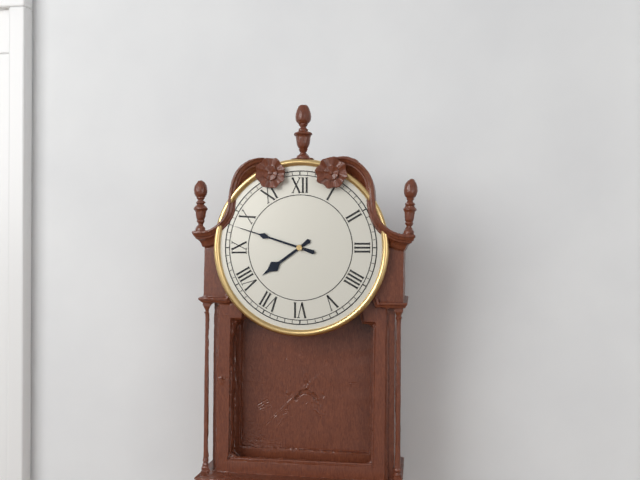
7:48
